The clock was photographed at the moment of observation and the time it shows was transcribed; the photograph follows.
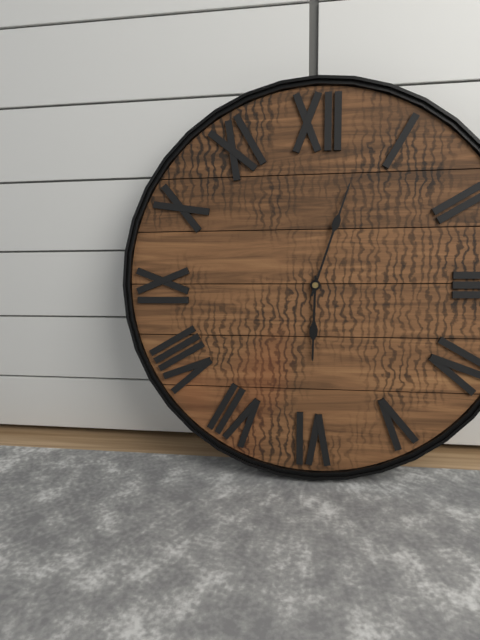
6:03
